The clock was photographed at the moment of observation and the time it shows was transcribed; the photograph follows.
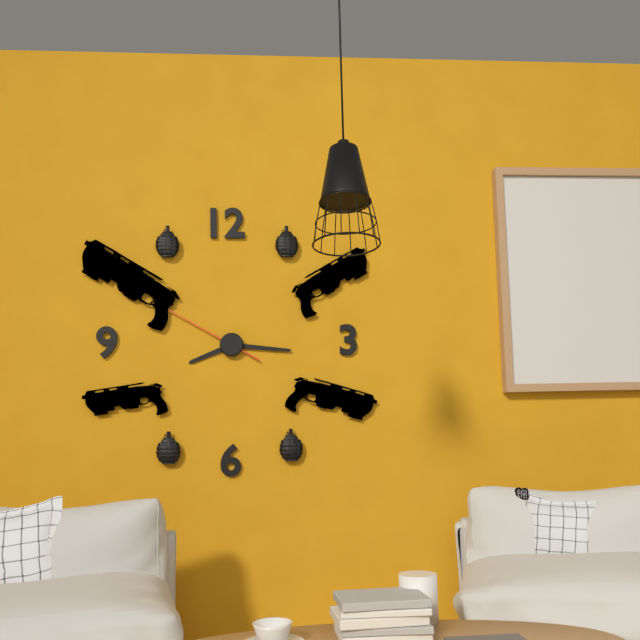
8:16:50
